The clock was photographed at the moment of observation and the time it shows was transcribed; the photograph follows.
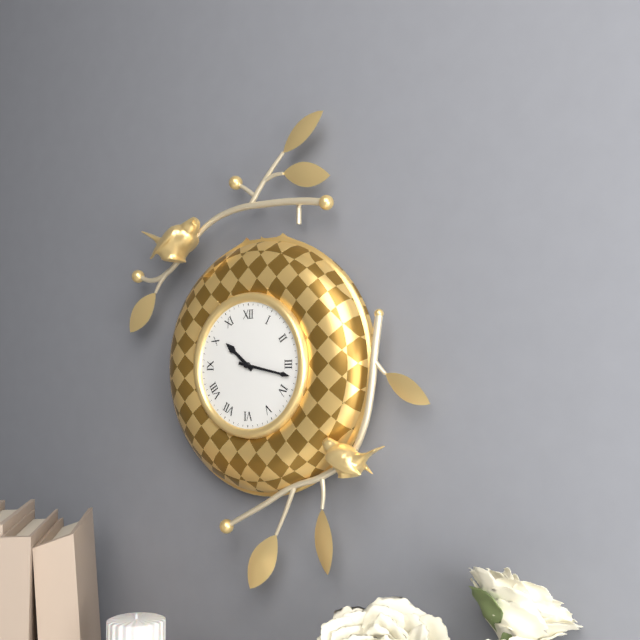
10:17
